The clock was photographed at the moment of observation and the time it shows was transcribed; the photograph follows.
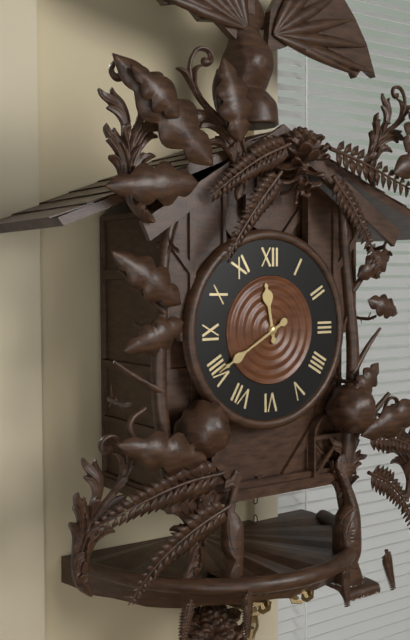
11:40
